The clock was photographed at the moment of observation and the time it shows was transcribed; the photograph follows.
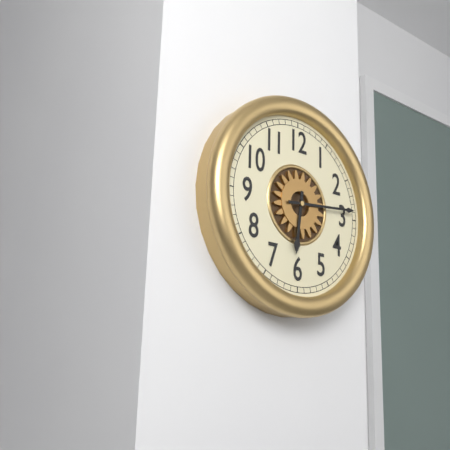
6:14
